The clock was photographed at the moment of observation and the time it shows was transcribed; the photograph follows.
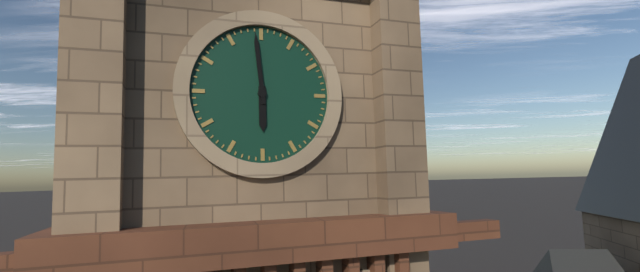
5:59
